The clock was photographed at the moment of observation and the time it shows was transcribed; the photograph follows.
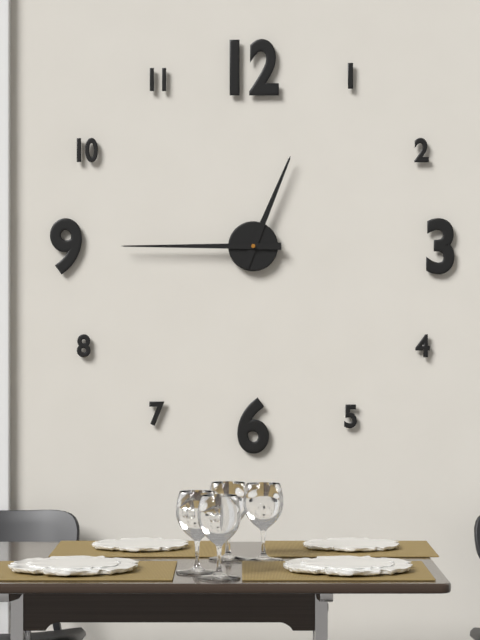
12:45
